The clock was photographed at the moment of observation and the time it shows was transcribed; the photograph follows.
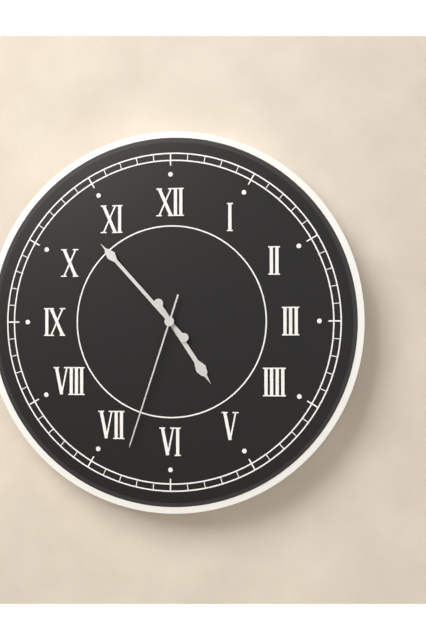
4:53:33
